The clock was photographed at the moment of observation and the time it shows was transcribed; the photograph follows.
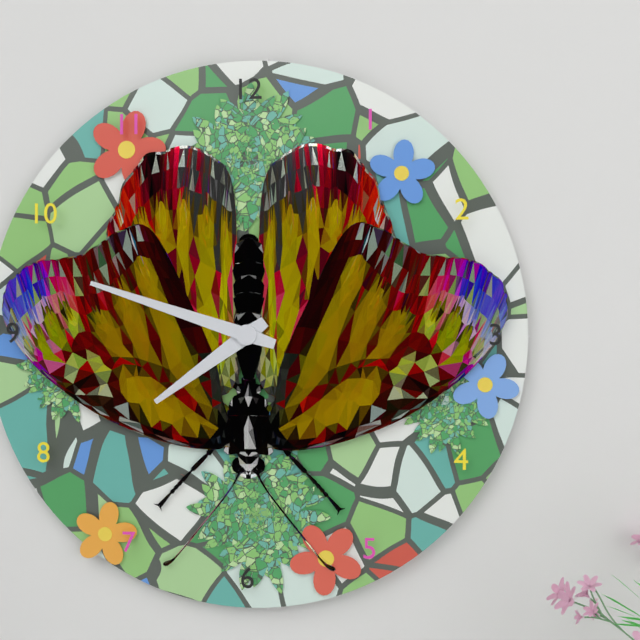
7:48
